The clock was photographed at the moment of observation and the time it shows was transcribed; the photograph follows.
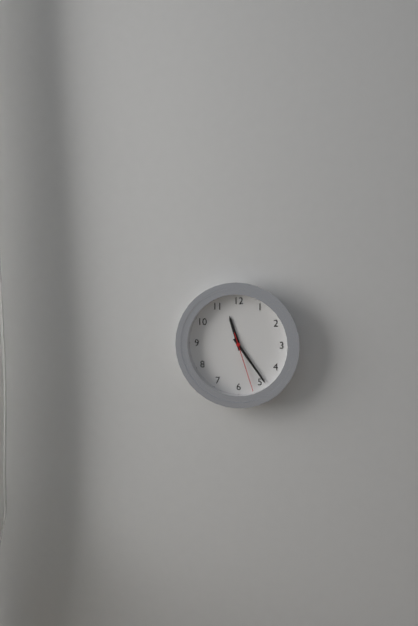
11:24:27
